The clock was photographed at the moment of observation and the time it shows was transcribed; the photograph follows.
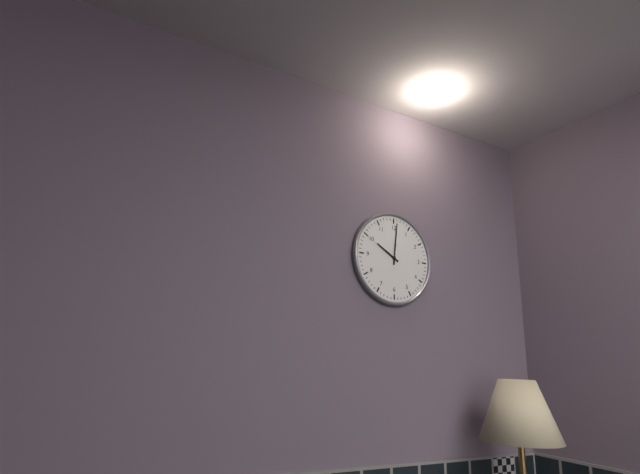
10:01
